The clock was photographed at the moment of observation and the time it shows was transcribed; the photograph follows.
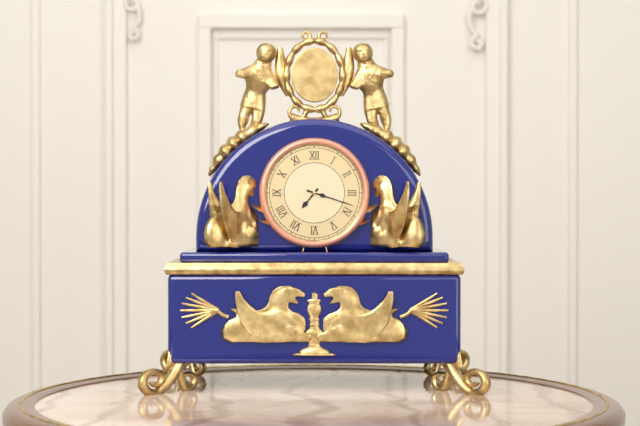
7:18
